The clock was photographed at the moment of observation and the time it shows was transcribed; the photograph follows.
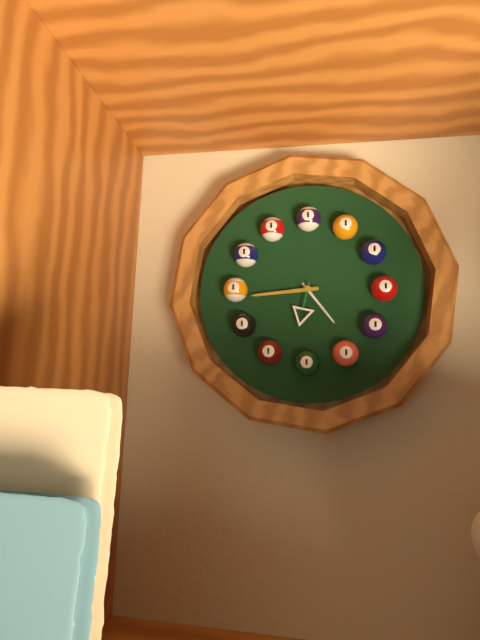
4:44:32
